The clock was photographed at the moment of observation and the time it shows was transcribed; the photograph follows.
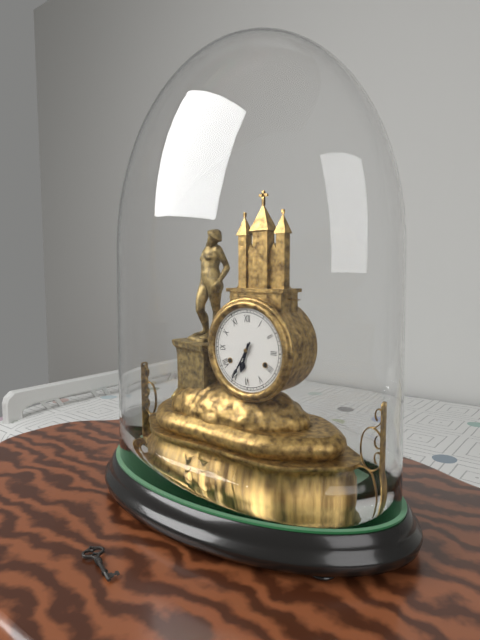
6:35
